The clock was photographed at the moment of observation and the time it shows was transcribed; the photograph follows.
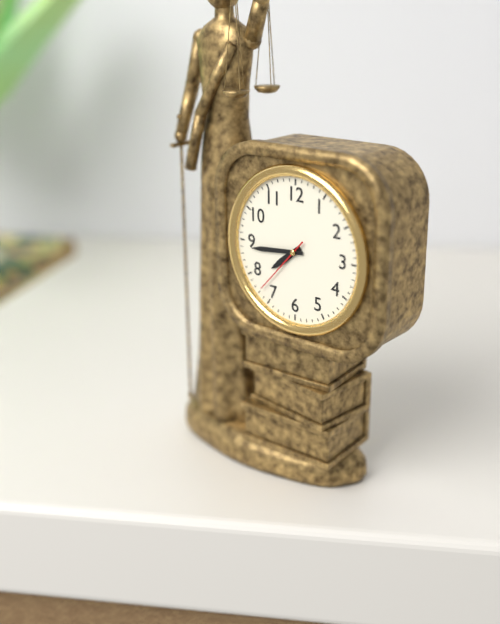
7:44:37
